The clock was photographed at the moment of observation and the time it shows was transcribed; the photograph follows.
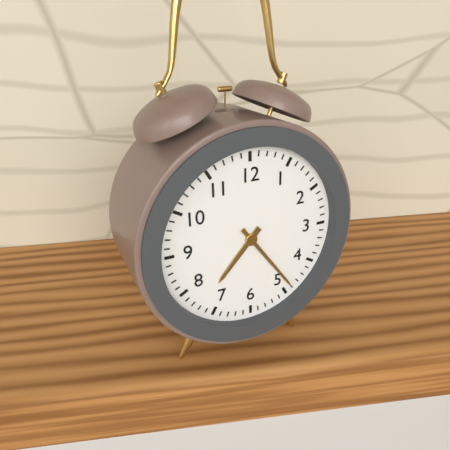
7:24
